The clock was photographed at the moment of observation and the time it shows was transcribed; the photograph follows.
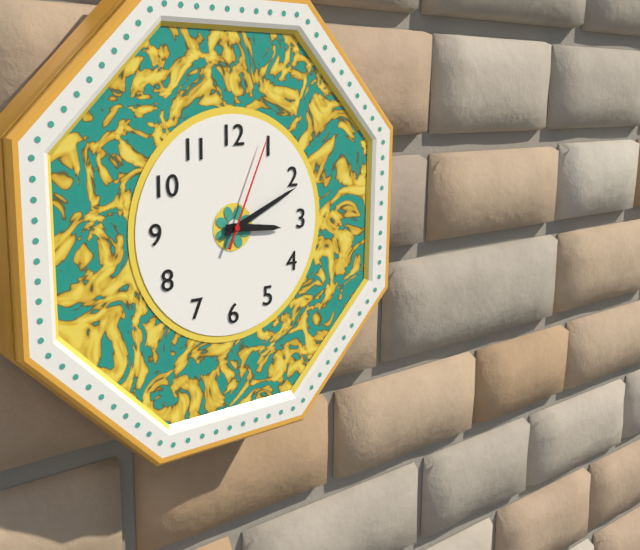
3:11:04
